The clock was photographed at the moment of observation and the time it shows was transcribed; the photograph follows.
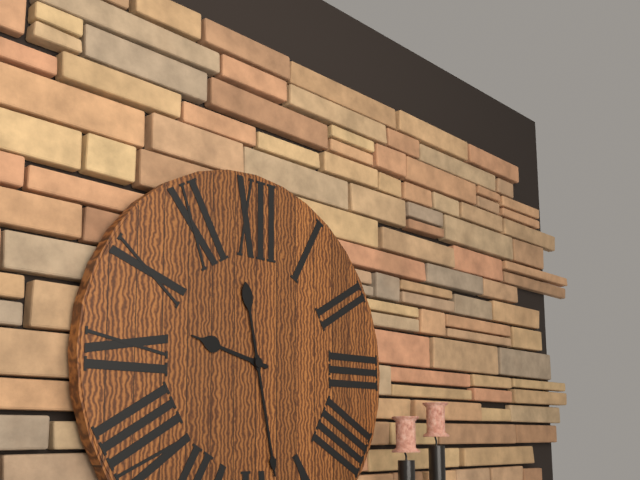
9:28
